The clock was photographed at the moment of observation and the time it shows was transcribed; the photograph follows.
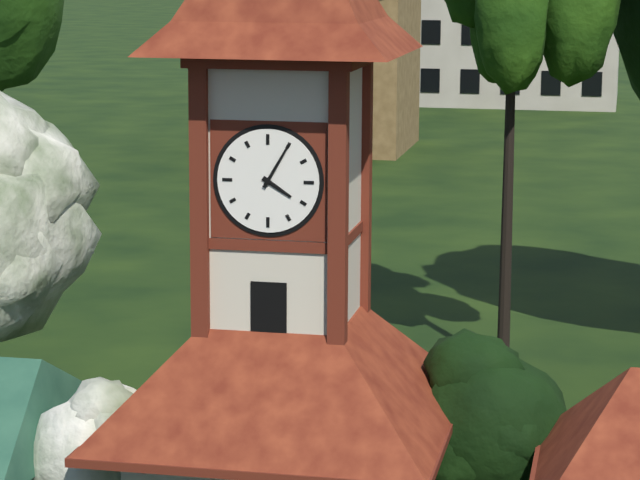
4:05
